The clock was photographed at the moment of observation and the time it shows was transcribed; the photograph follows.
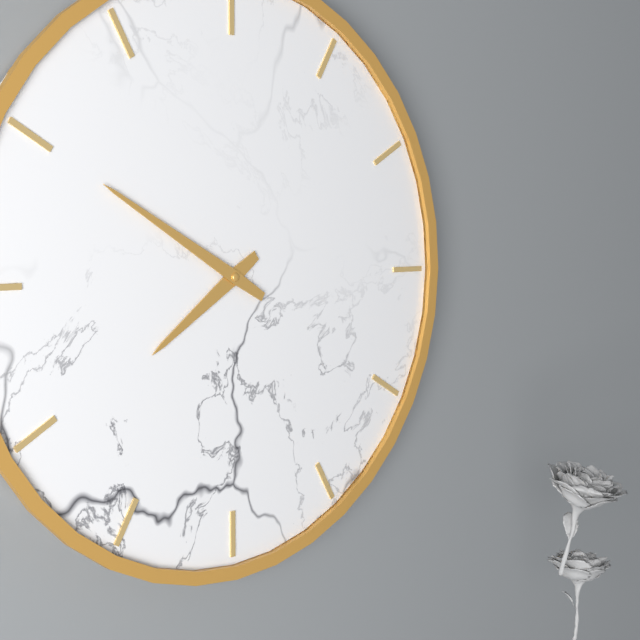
7:50
